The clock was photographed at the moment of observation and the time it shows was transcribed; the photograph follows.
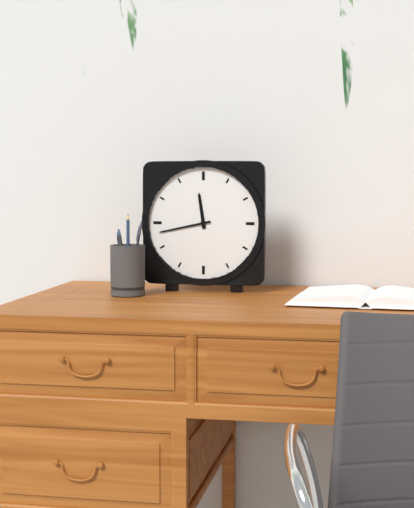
11:43
